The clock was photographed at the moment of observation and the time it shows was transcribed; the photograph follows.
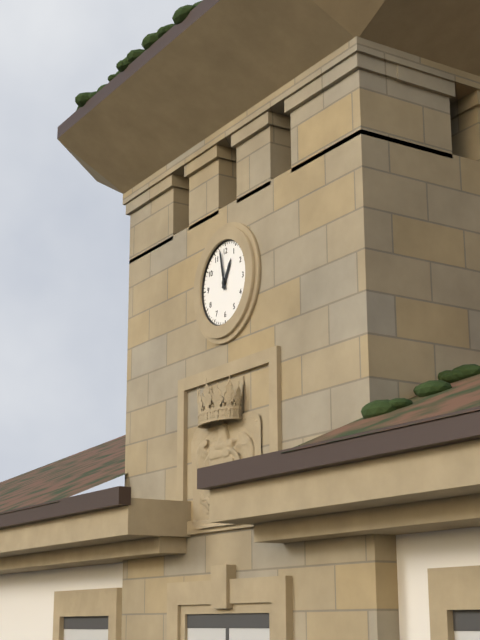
12:58
